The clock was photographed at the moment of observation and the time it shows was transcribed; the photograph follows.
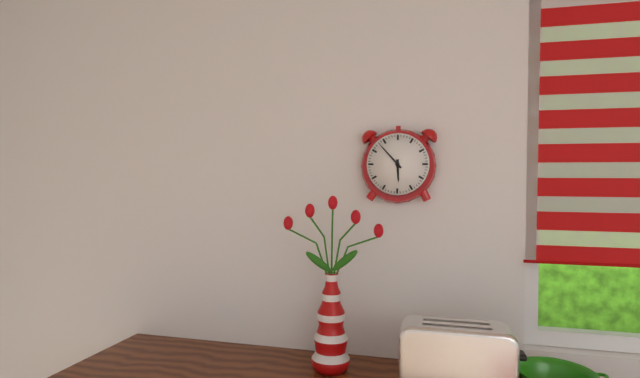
5:53
